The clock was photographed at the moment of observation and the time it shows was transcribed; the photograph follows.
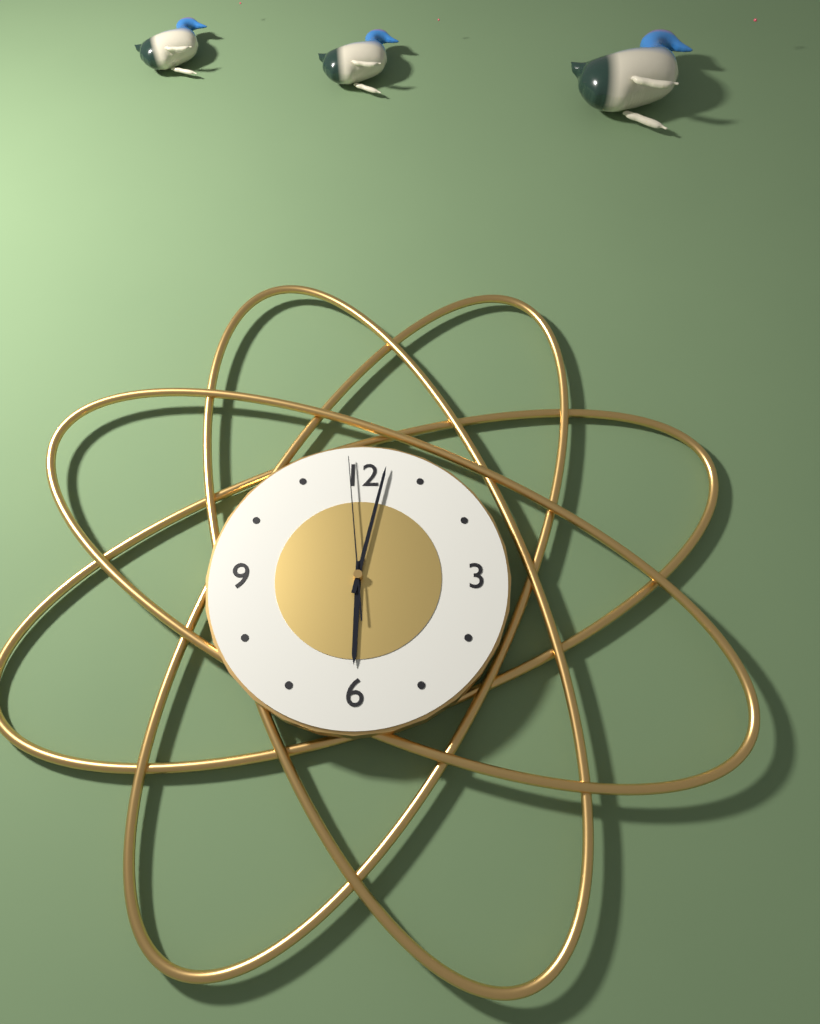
6:02:59
